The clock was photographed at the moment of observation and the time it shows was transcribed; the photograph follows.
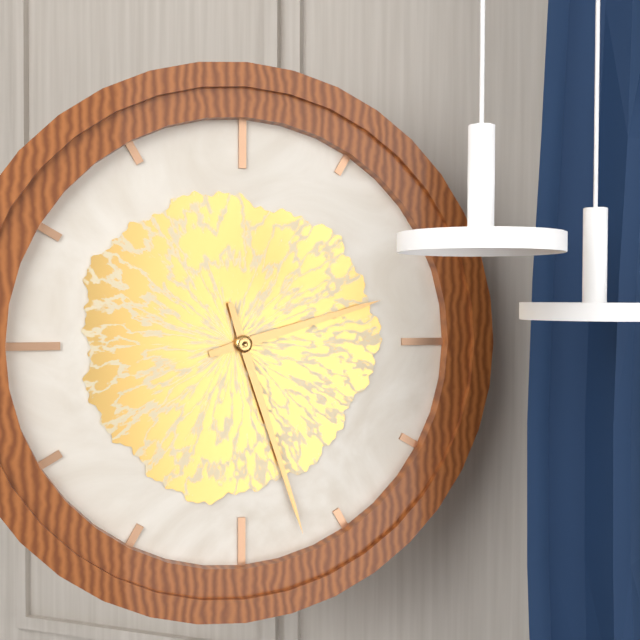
2:27
